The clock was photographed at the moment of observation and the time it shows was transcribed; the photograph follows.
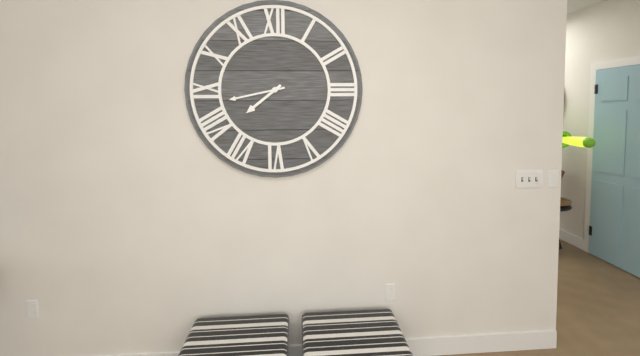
7:43
